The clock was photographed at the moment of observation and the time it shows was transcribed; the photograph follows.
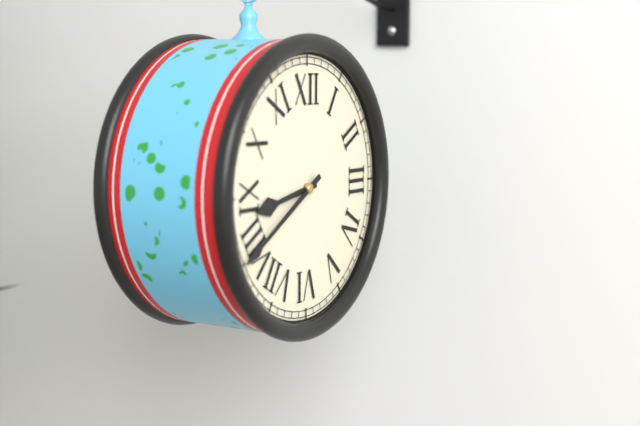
8:40
